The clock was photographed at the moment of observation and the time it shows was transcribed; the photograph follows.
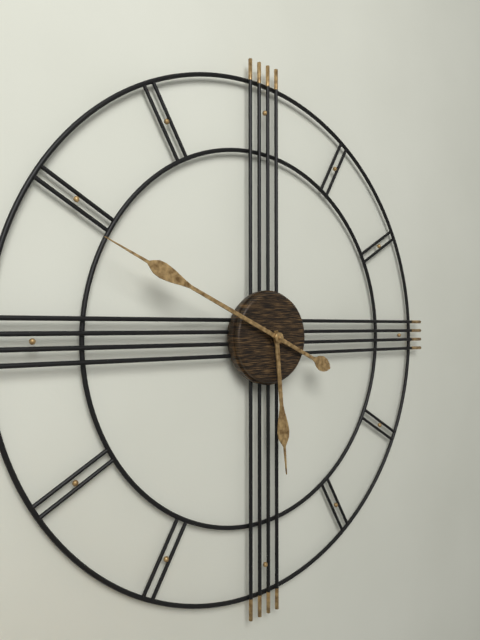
5:49
